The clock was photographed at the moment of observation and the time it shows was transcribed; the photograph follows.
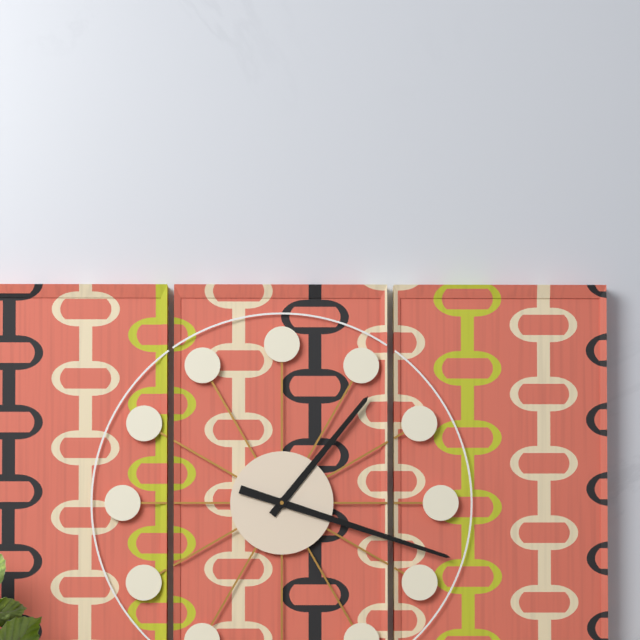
1:18
